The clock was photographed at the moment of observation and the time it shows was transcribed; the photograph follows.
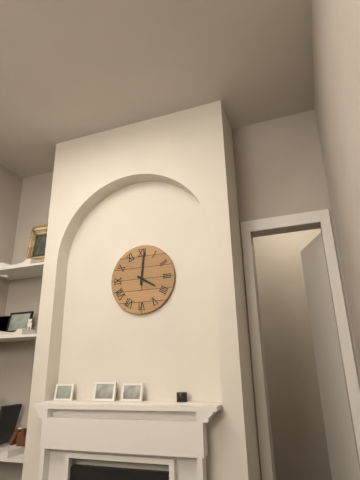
4:01
